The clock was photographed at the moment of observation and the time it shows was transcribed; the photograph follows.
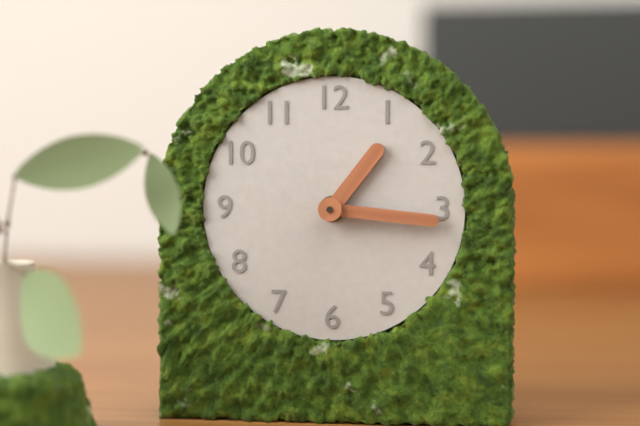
1:16
